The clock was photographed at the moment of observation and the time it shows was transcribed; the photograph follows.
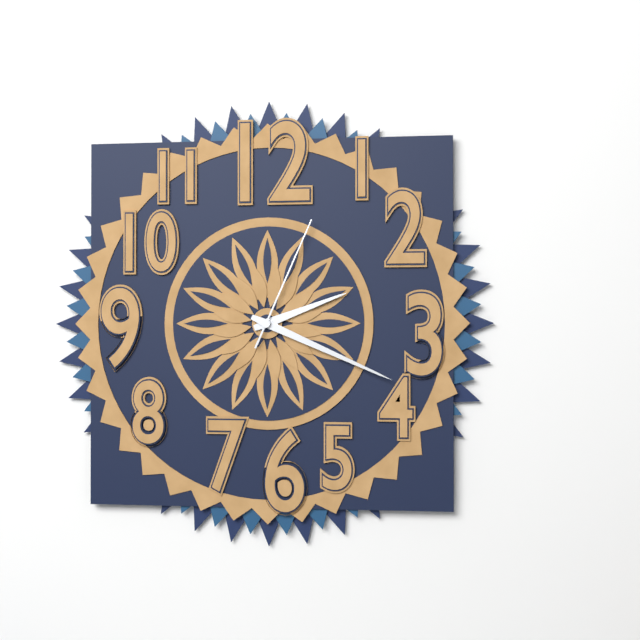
2:19:04
